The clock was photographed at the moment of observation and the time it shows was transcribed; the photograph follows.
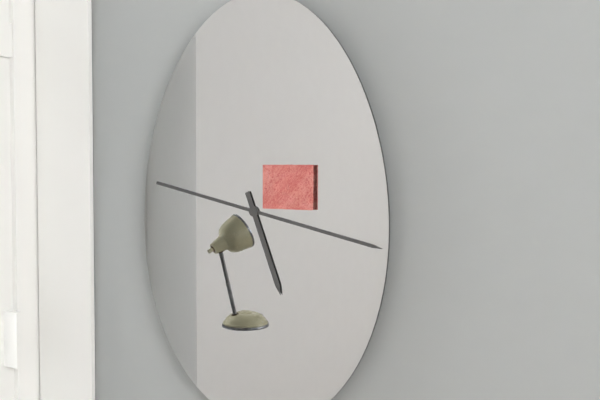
5:17
